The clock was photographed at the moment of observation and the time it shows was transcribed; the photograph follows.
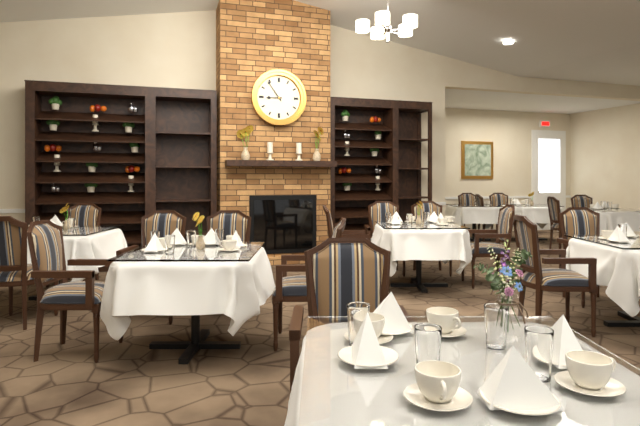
8:54
